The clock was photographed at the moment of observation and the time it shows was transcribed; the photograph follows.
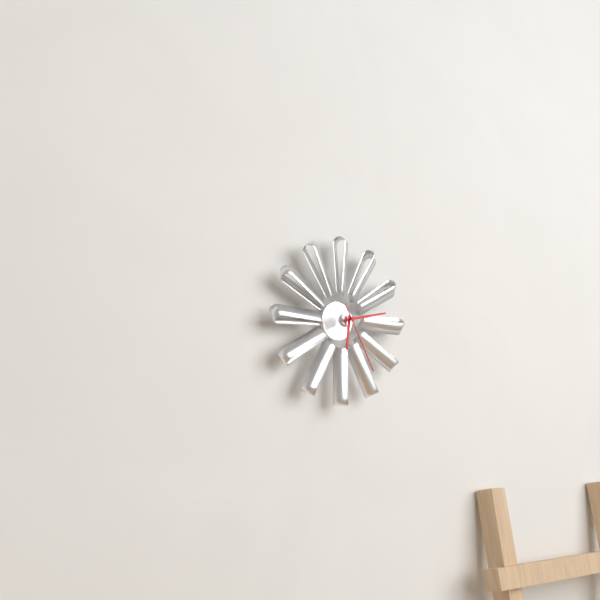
6:13:25
